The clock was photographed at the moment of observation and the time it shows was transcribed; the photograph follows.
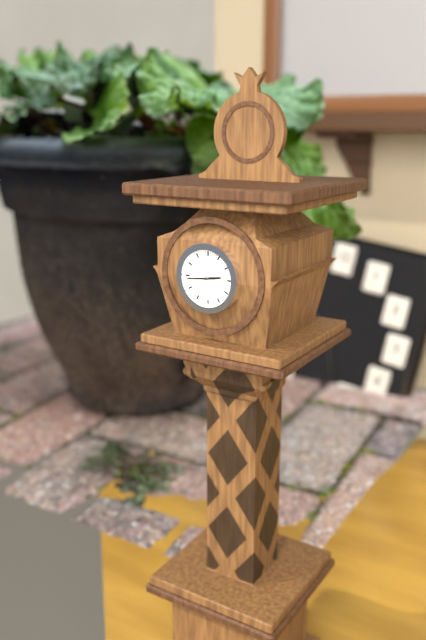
2:44
